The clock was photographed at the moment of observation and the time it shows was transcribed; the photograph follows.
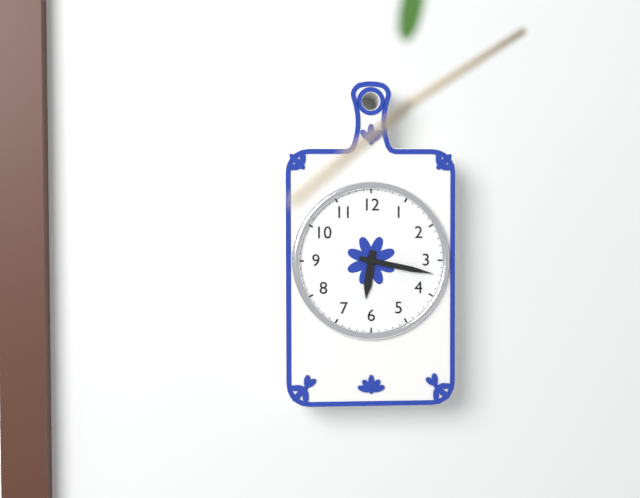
6:17
